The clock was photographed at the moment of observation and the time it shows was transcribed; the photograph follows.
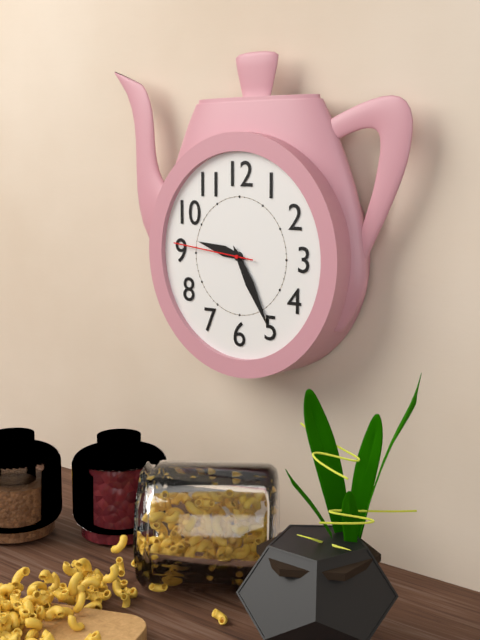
9:25:46
